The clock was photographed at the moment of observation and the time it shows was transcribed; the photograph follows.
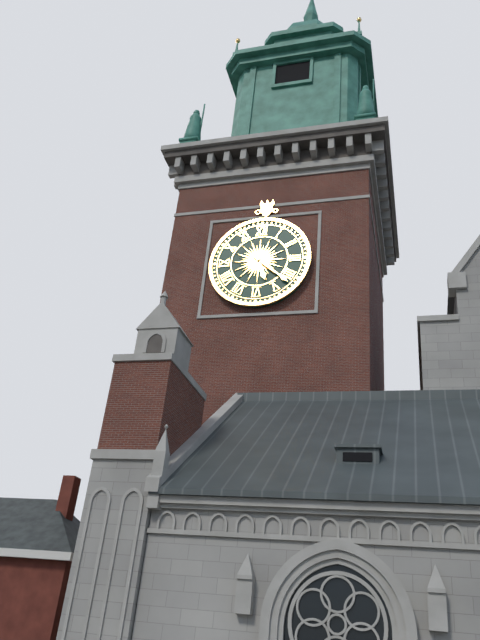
5:22
